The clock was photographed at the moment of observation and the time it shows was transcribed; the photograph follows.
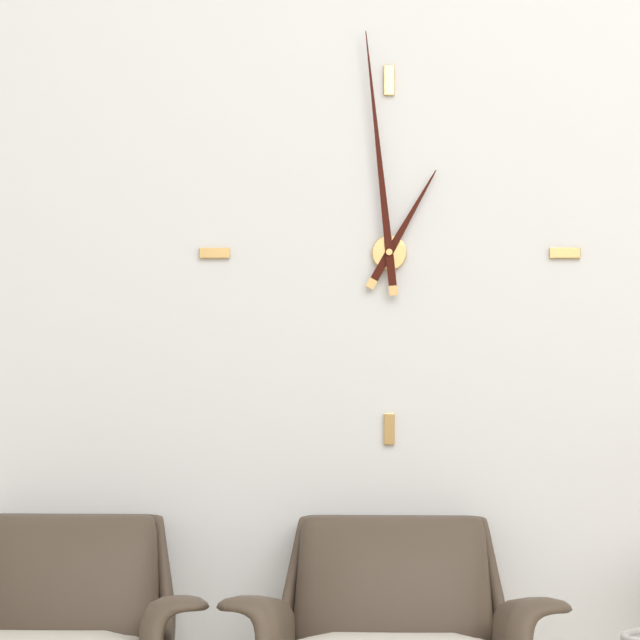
12:59
